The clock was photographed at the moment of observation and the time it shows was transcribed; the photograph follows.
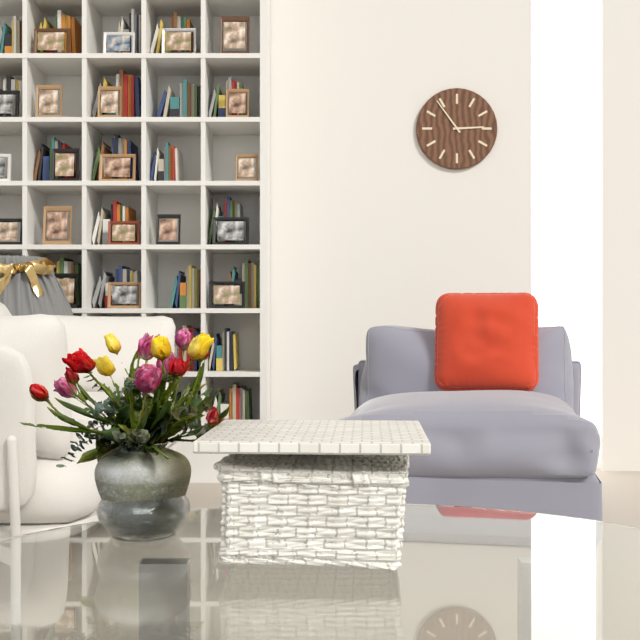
2:54
